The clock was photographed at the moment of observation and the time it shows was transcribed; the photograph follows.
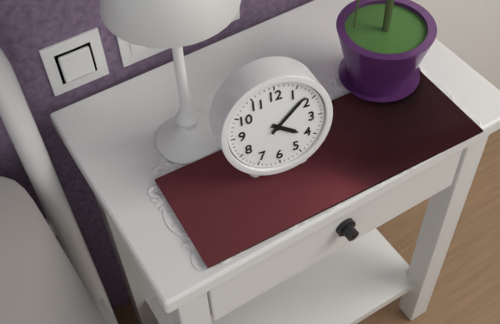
4:08
